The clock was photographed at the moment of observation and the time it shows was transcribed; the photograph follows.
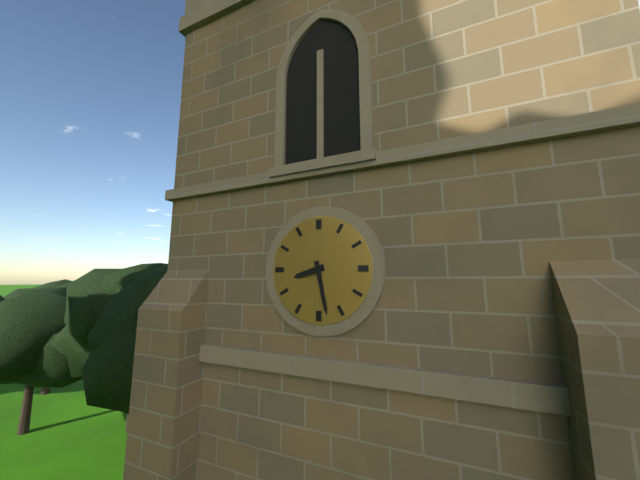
8:28
